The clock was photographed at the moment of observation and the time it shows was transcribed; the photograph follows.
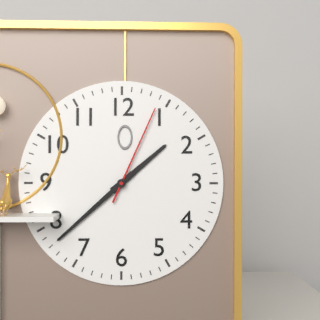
1:38:04
